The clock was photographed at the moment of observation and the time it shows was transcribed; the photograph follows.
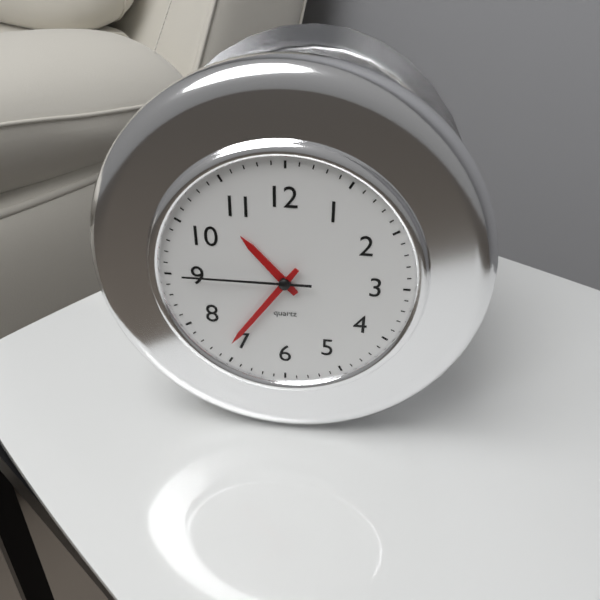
10:36:45
